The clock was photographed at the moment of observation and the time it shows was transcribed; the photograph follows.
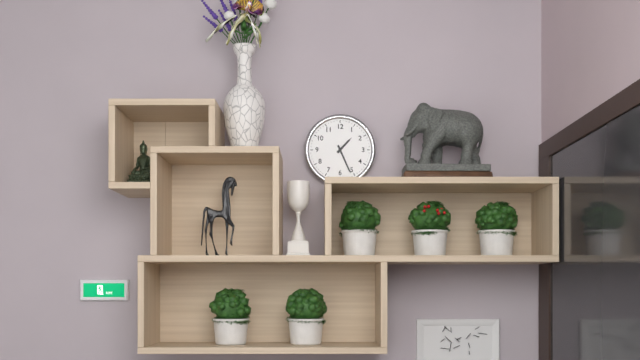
1:26
